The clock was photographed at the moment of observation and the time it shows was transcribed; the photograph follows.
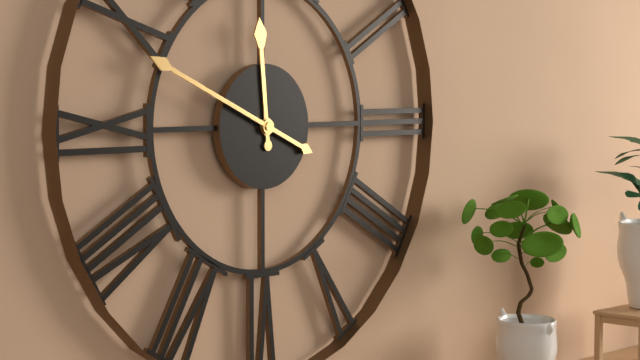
11:49
